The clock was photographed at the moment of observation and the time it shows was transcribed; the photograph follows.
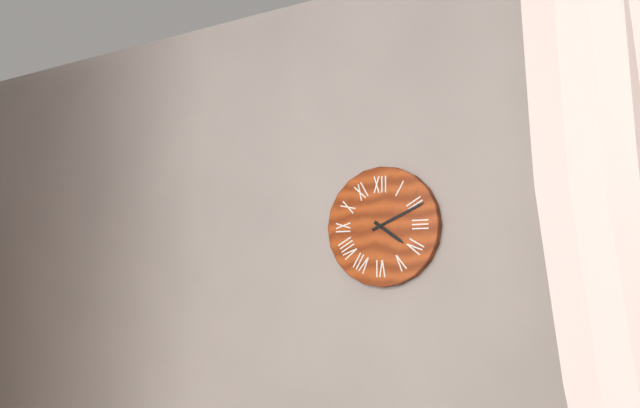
4:11
